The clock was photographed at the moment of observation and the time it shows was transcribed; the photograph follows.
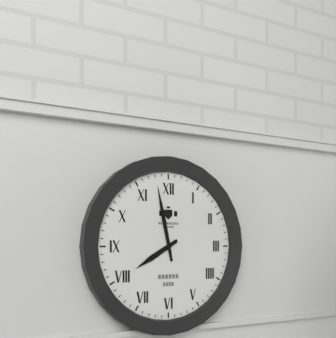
7:58
